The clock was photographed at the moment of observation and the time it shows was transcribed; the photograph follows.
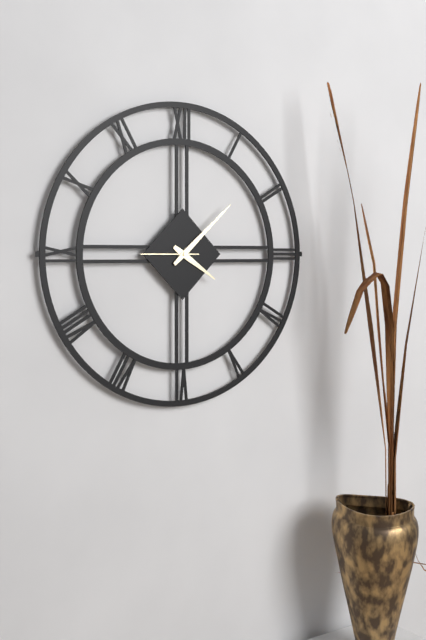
4:08:45
